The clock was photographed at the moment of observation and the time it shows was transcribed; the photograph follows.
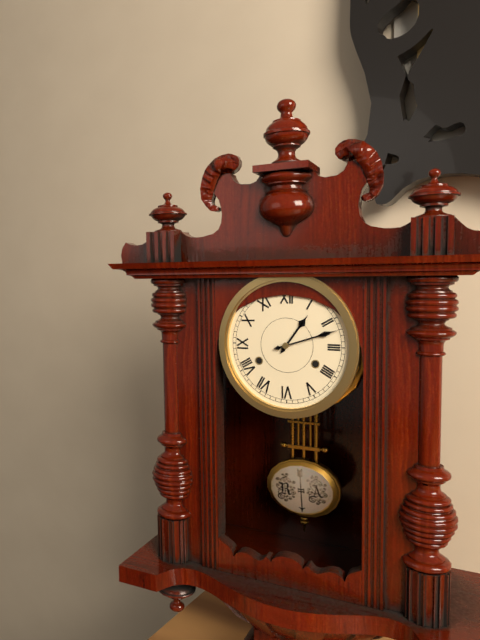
1:12
